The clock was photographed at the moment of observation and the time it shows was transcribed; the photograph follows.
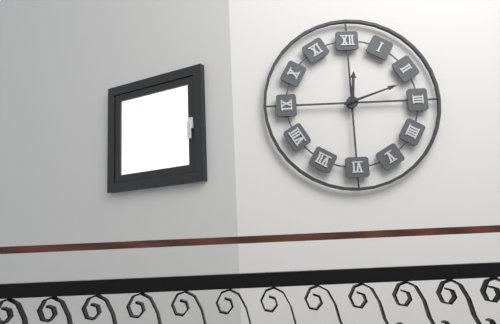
12:12
